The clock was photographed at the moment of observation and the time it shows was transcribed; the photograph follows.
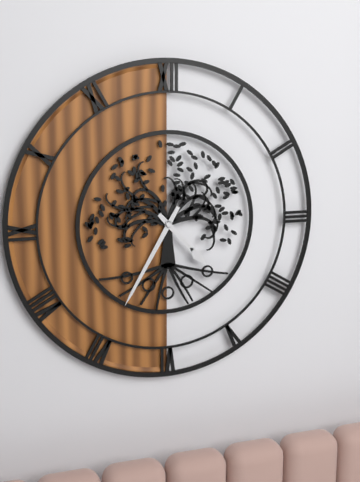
4:35
